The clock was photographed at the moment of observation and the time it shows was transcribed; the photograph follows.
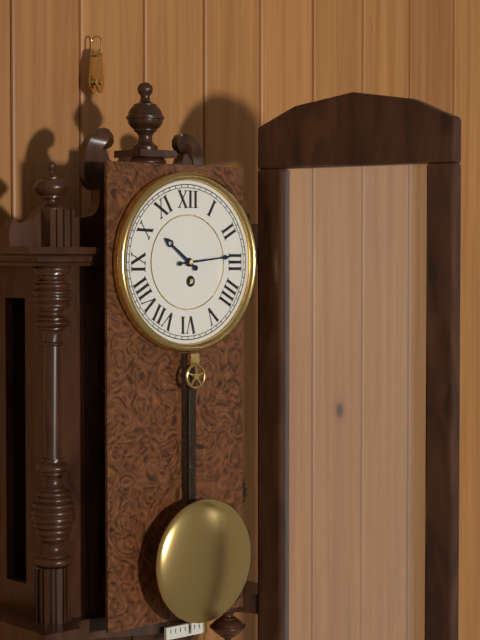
10:14
